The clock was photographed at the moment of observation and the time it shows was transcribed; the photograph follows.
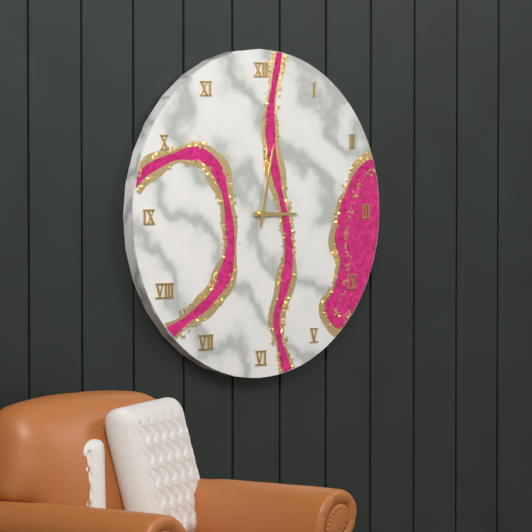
3:02
